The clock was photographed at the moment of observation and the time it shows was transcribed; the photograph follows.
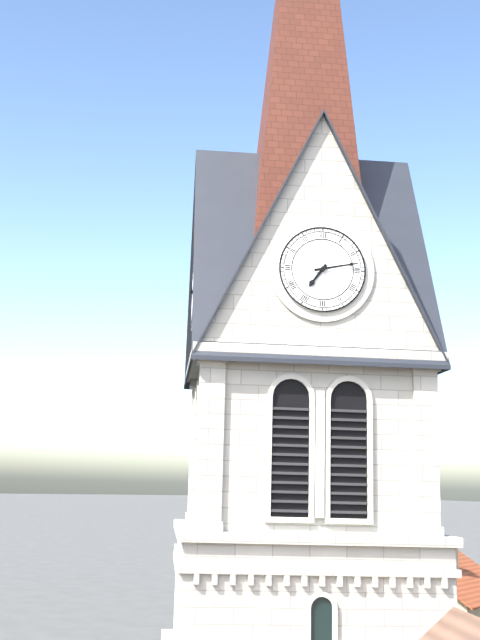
7:13
